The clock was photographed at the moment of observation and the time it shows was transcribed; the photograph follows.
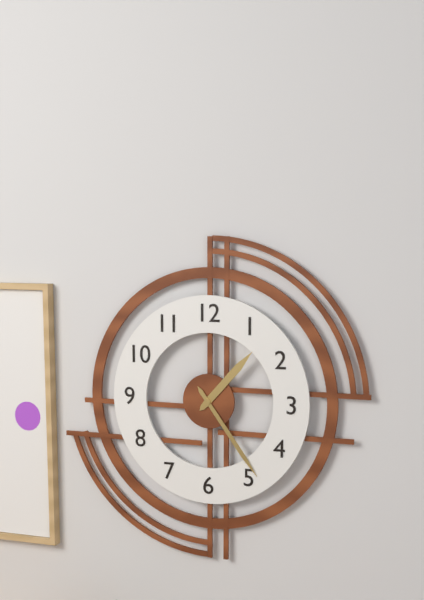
1:24
